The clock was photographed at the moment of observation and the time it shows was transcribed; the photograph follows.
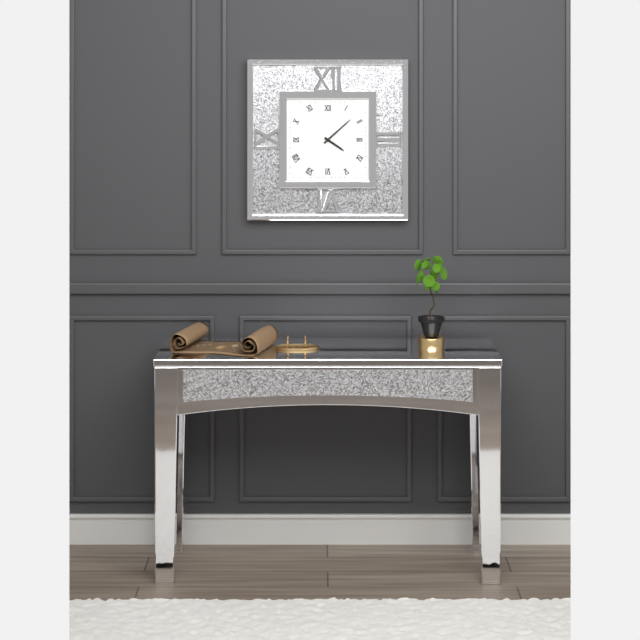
4:08
